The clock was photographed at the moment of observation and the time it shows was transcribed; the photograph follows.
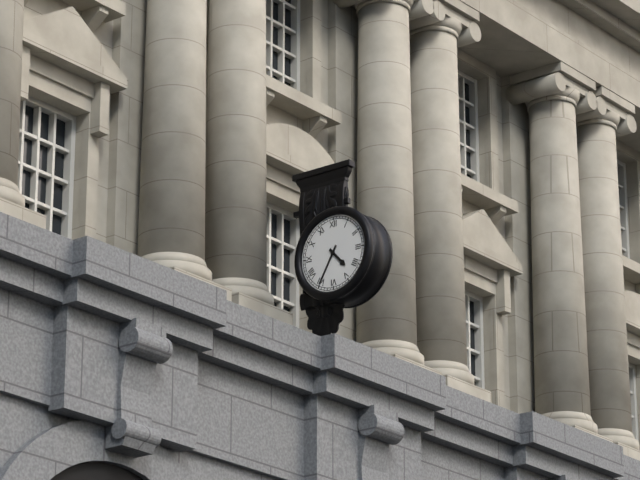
4:35
